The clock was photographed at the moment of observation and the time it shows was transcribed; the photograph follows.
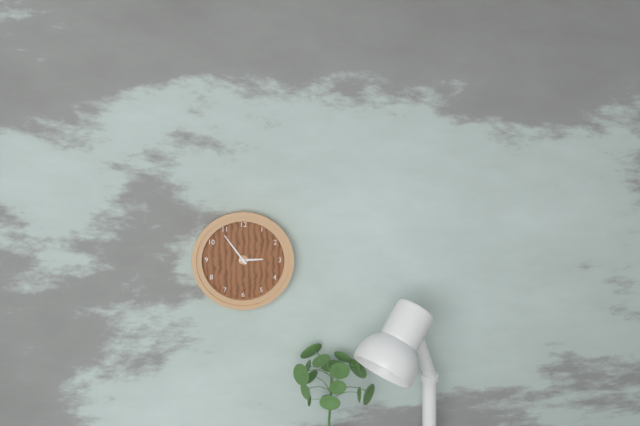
2:54
